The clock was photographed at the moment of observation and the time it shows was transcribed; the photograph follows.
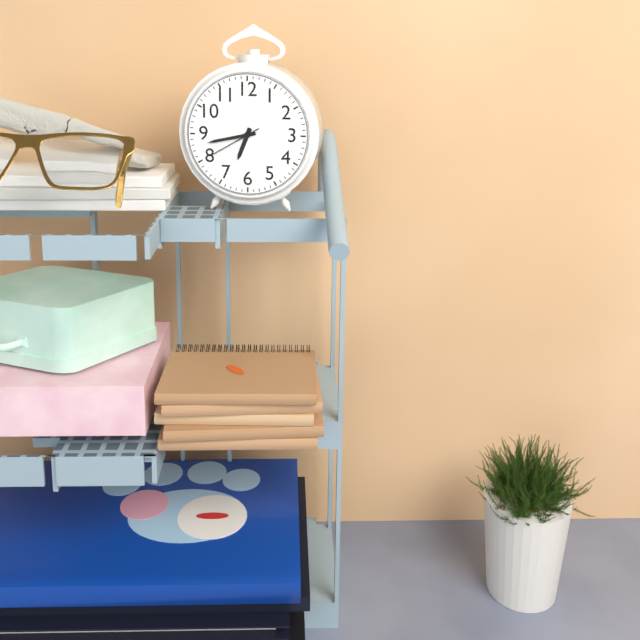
6:43:40
